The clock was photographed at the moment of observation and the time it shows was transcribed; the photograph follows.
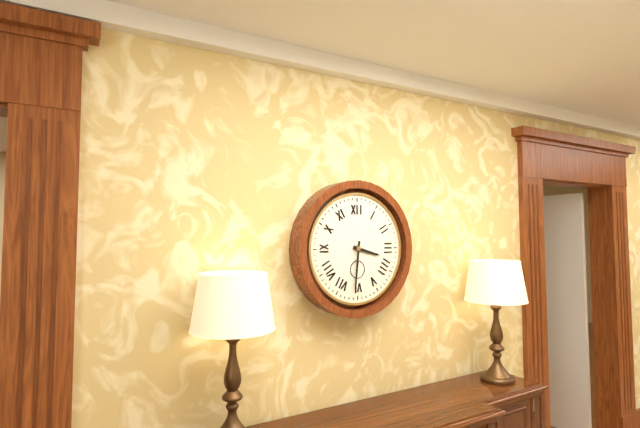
3:31
